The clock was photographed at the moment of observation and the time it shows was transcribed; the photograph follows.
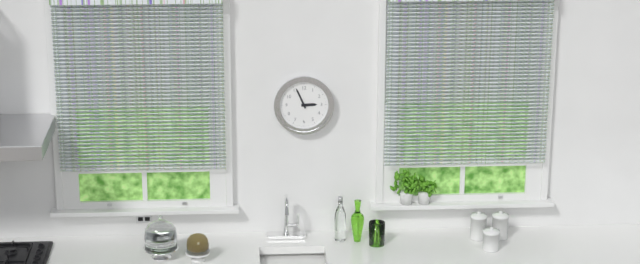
2:56
